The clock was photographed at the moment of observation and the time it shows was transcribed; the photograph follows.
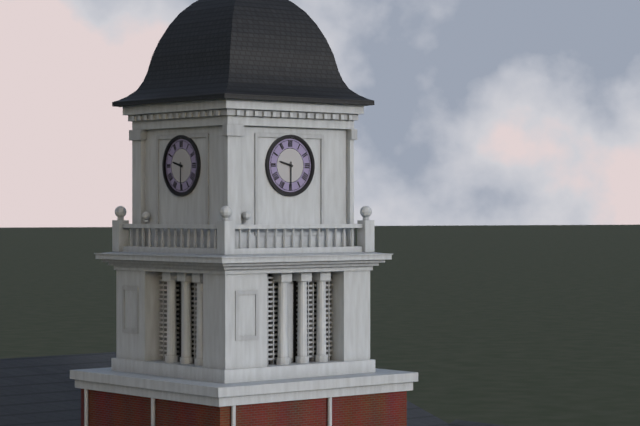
9:30
